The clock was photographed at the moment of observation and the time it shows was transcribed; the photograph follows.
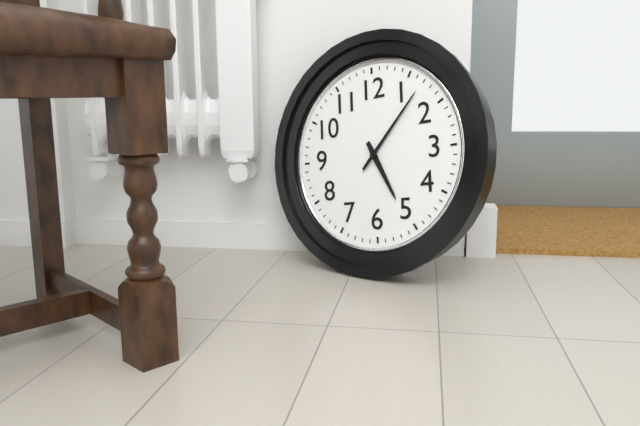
5:07
